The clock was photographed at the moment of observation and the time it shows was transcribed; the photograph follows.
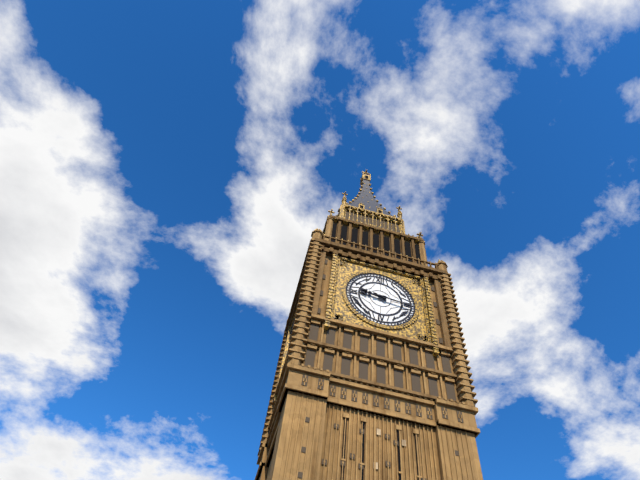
9:16
